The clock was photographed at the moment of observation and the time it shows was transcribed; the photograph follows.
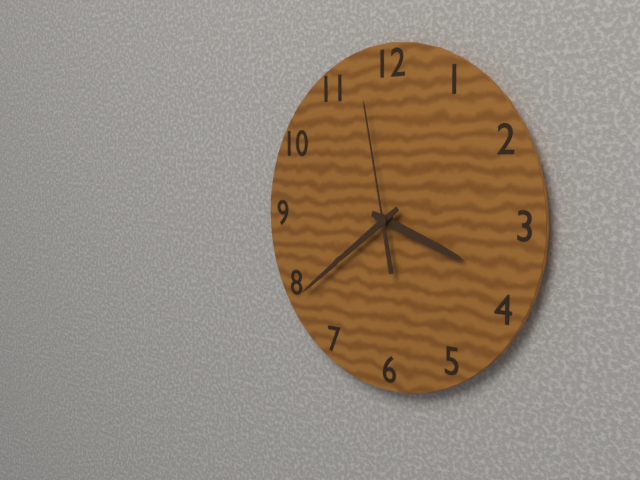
3:39:58
